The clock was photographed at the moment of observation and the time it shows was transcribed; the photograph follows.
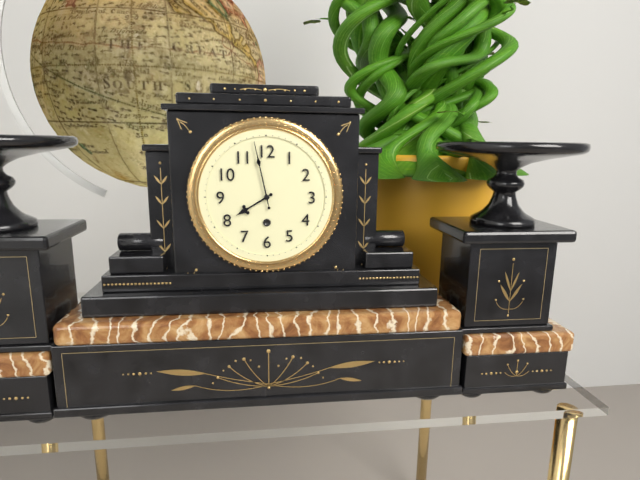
7:58
